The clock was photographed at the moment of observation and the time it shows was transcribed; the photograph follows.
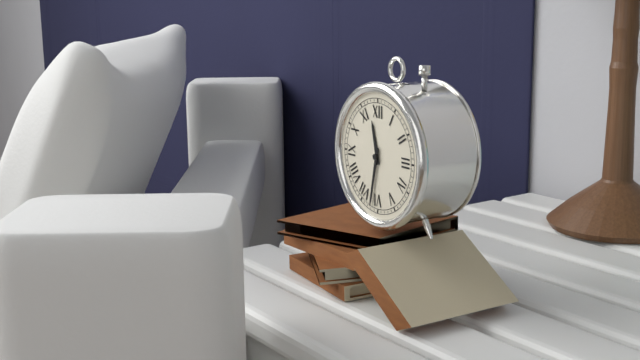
11:32
